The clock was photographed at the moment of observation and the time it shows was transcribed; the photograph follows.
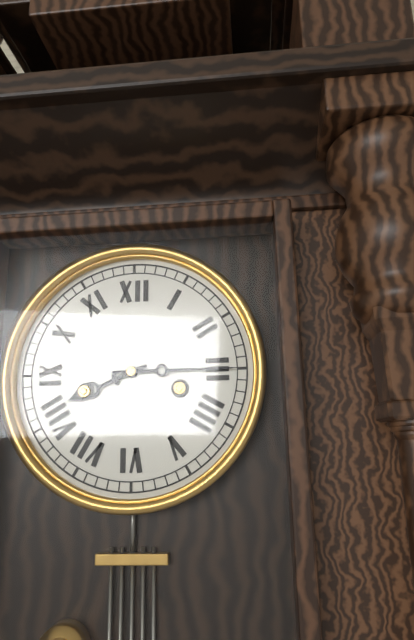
8:15
